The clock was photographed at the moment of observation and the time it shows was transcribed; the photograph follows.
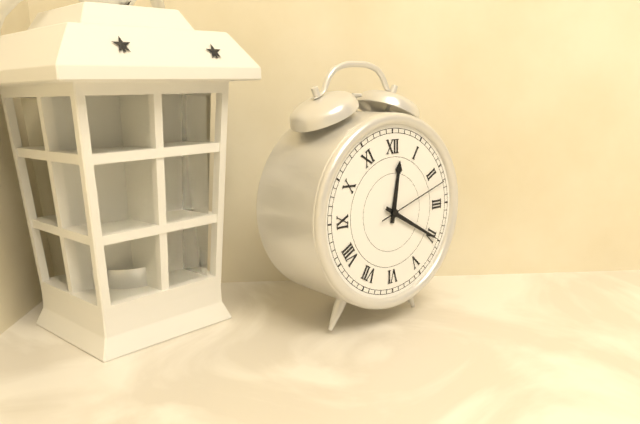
12:20:12
